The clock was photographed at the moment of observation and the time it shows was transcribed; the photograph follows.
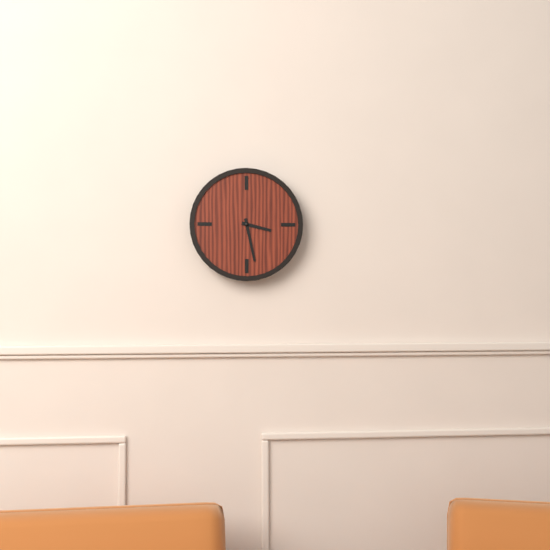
3:28
